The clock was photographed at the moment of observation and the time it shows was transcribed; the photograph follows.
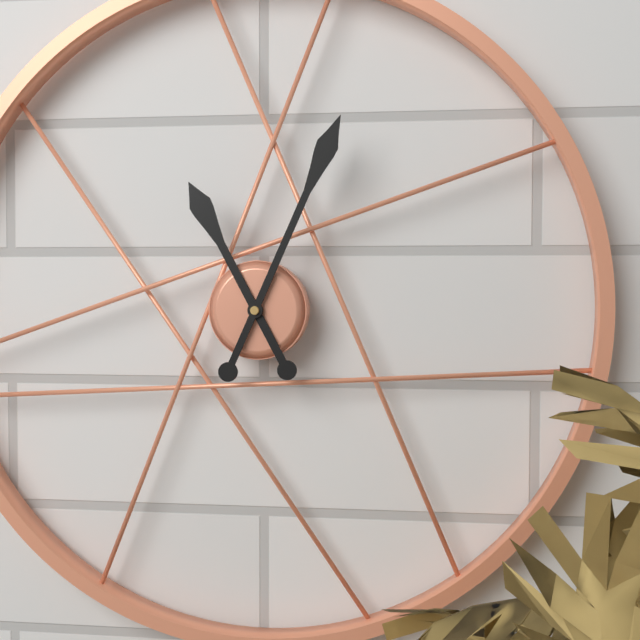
11:04
